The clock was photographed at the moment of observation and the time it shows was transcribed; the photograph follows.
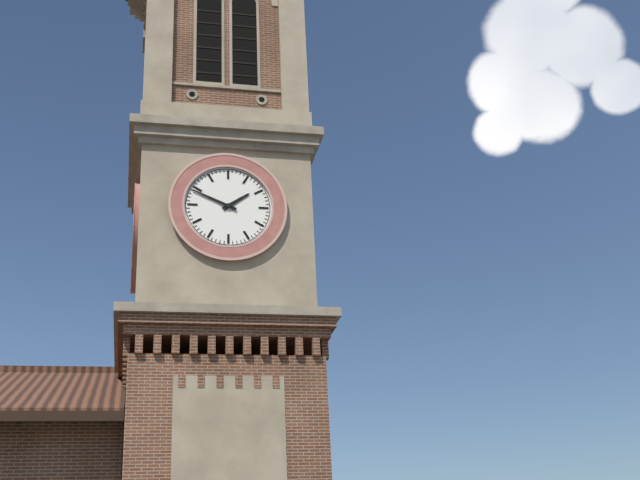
1:49
